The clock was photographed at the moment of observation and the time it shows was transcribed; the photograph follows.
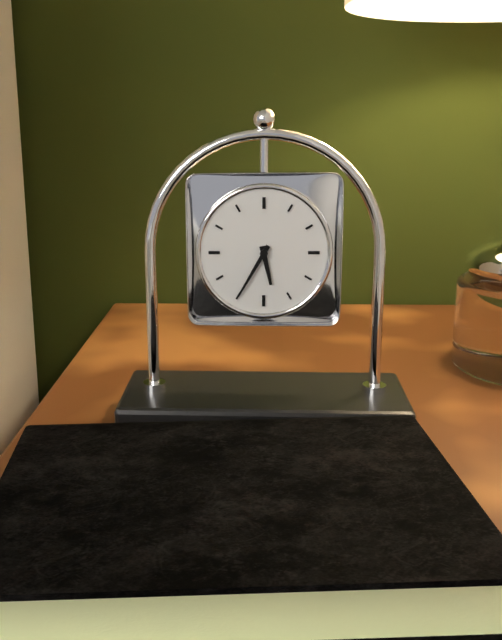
5:35
